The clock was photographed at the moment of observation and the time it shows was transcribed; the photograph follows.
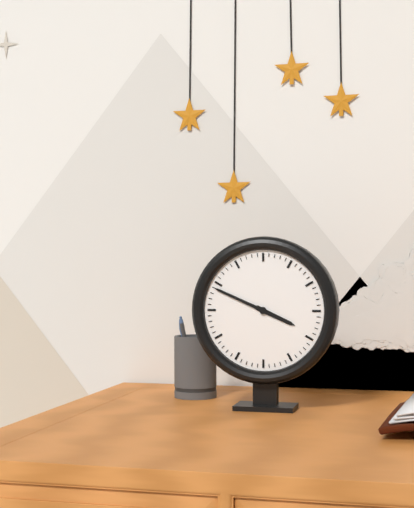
3:49
